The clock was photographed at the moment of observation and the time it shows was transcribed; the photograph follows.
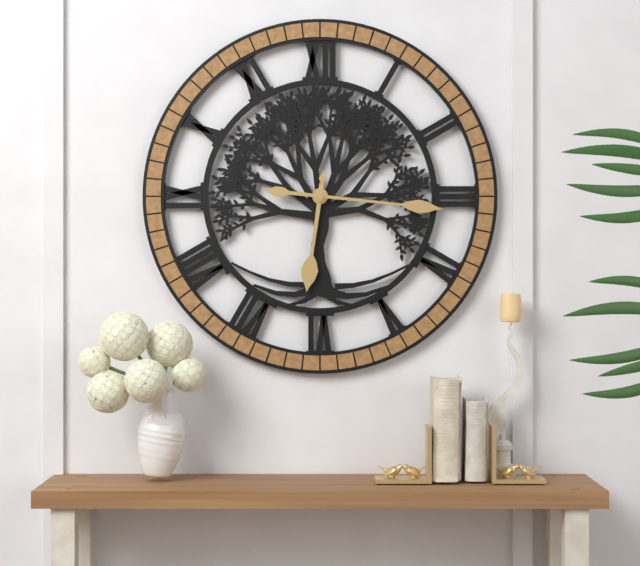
6:16
